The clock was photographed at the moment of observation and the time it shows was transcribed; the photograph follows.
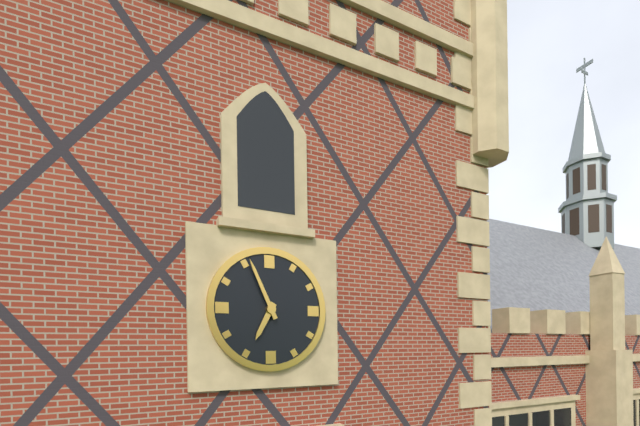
6:56
